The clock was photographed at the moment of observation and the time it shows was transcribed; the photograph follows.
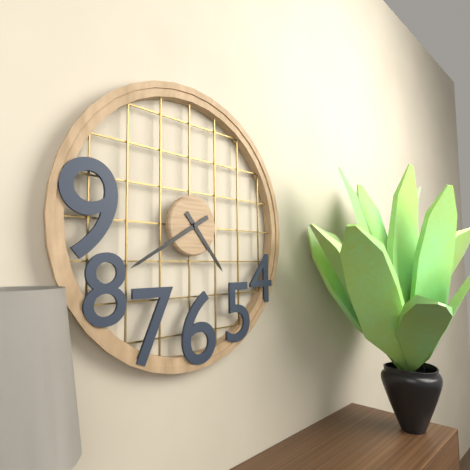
4:40
